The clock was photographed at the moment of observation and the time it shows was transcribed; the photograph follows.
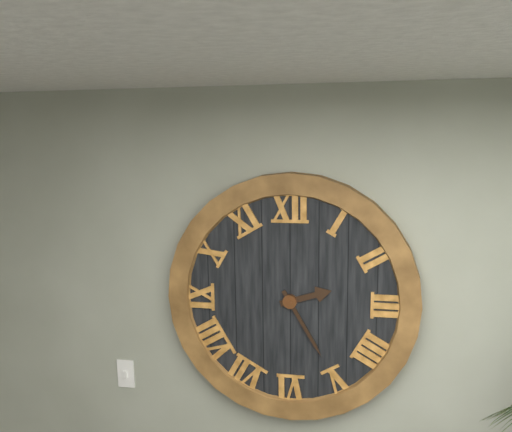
2:25
